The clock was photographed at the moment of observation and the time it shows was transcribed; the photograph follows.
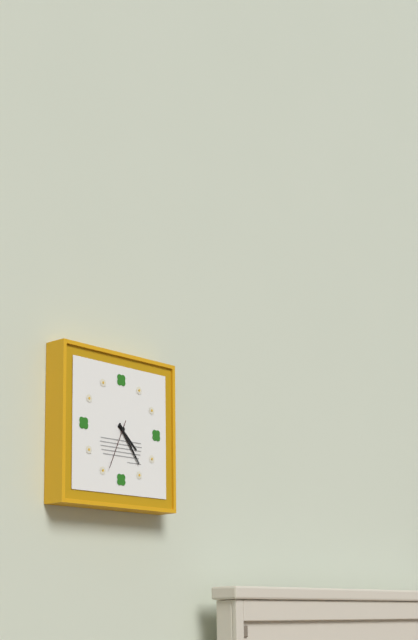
4:24:34
